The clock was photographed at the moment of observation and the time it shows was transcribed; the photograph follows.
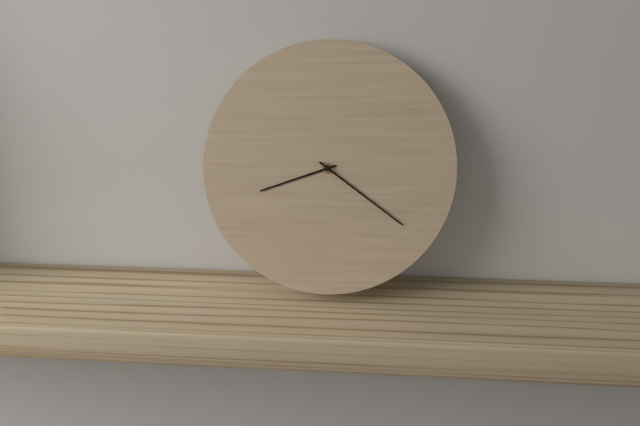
8:21
